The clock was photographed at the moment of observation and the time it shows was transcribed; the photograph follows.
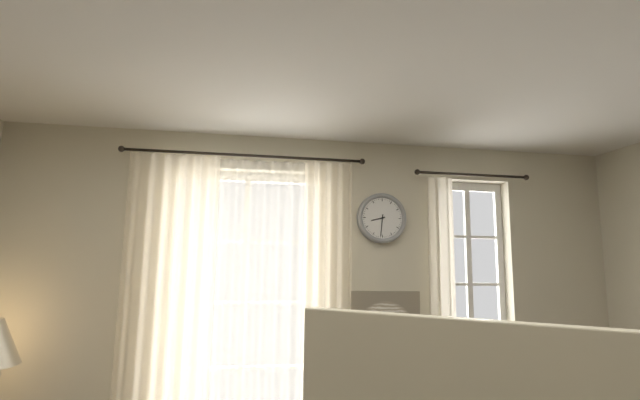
8:31
